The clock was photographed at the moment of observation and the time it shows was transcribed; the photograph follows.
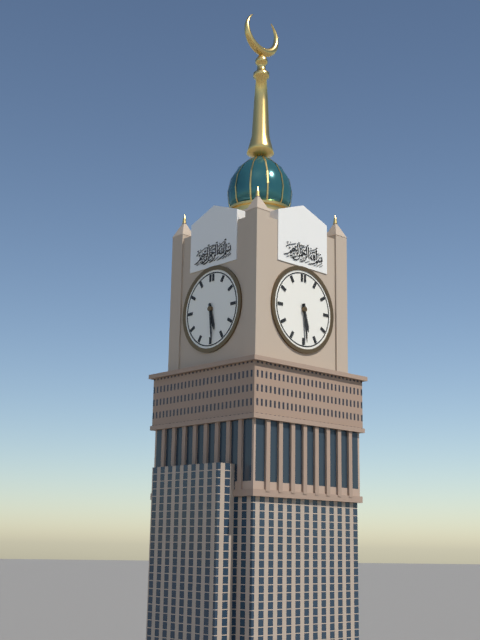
5:29
